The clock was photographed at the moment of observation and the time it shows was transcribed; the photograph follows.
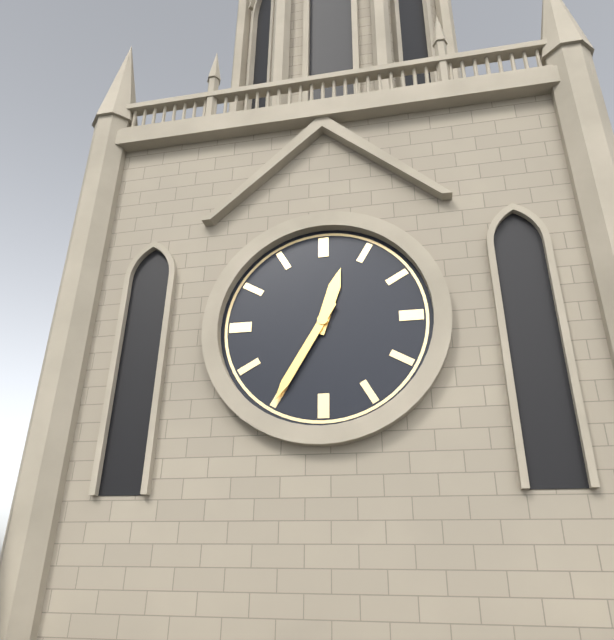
12:35
